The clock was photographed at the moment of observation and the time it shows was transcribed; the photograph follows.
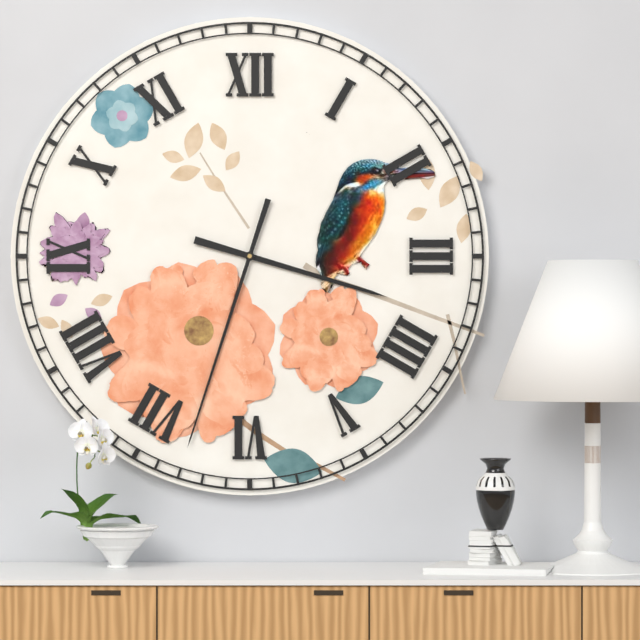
3:33
